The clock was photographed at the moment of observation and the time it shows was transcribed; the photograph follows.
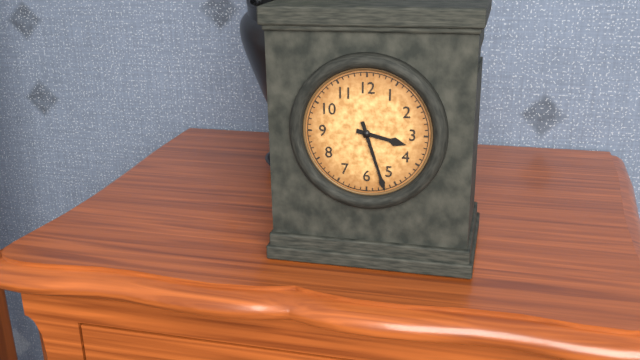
3:27
